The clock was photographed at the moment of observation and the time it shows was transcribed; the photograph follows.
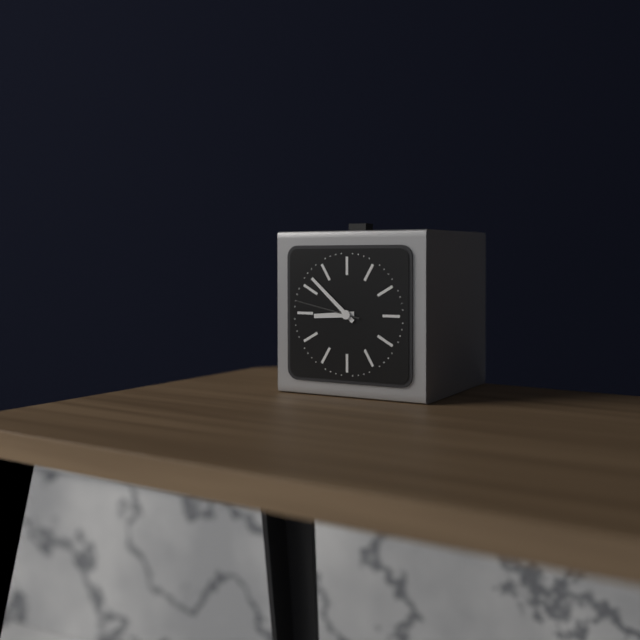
8:52:47
